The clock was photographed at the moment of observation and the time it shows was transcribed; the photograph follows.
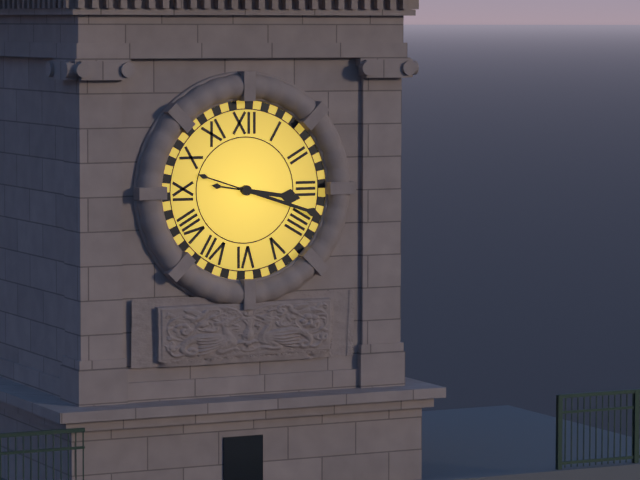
3:18
